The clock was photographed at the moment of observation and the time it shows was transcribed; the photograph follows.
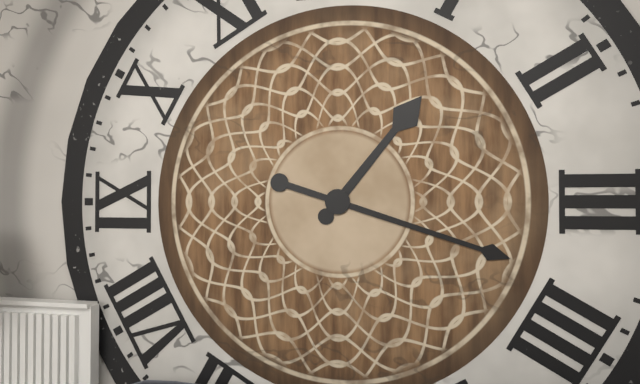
1:18
